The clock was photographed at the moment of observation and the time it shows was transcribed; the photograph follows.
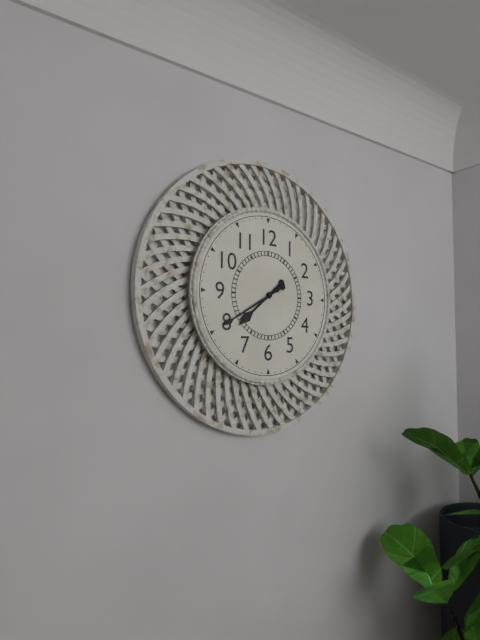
7:40
